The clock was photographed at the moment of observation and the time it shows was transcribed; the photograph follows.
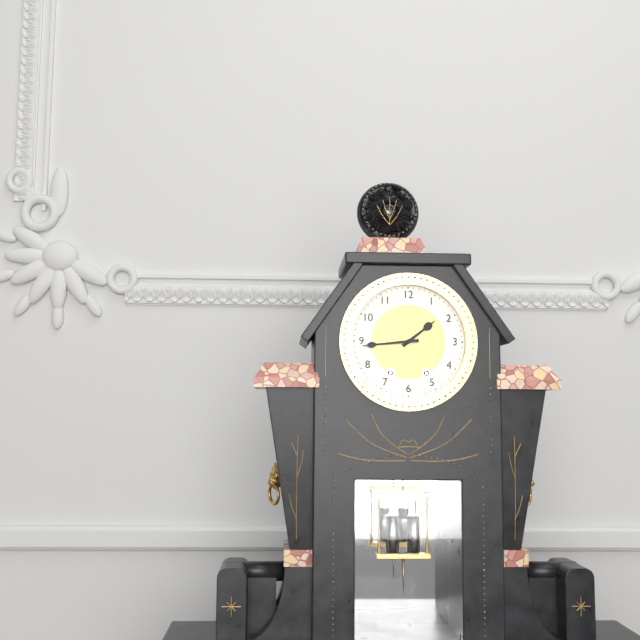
1:44
